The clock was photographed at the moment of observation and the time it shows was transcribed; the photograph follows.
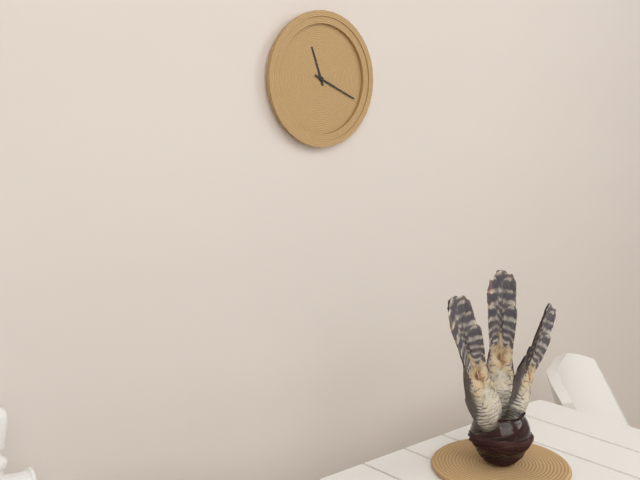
11:19
